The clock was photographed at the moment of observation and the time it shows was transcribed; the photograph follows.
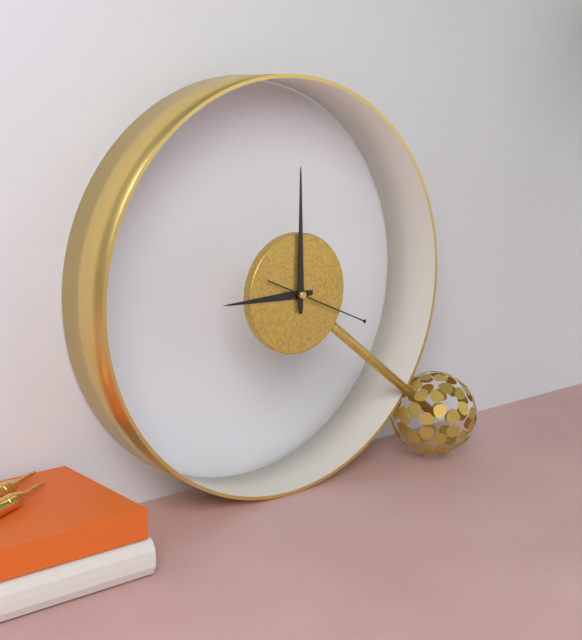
9:00:19
